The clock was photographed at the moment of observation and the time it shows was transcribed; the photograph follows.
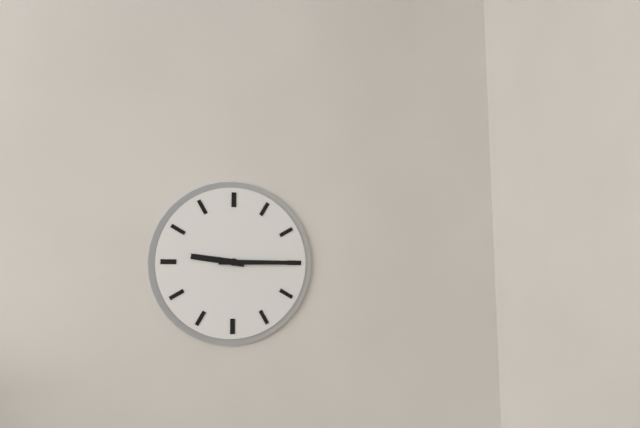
9:15
